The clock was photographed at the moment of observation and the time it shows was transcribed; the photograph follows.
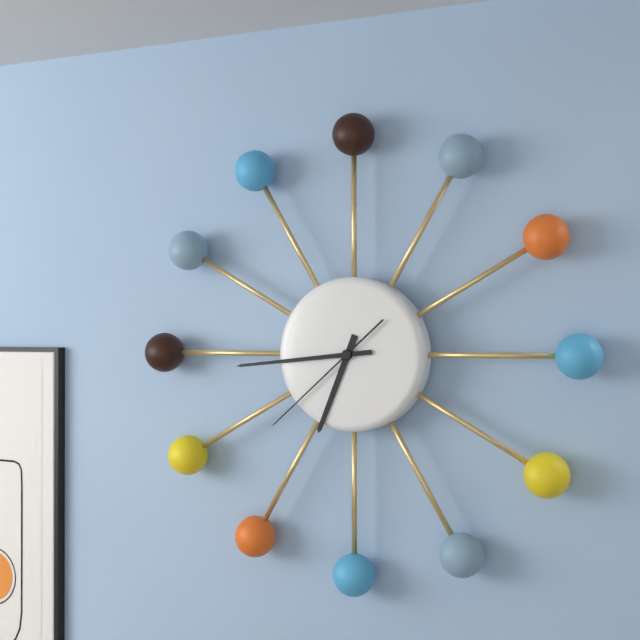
6:44:38
